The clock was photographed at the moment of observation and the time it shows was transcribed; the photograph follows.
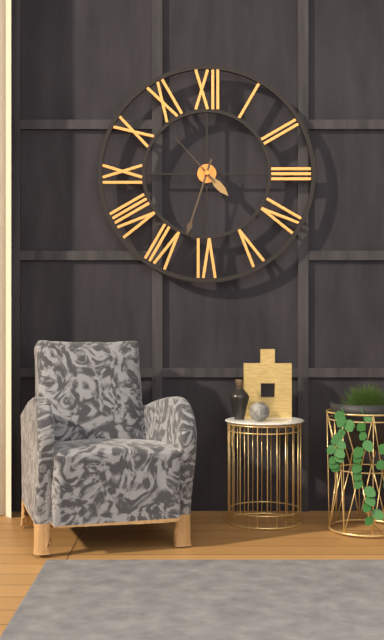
4:33:53
